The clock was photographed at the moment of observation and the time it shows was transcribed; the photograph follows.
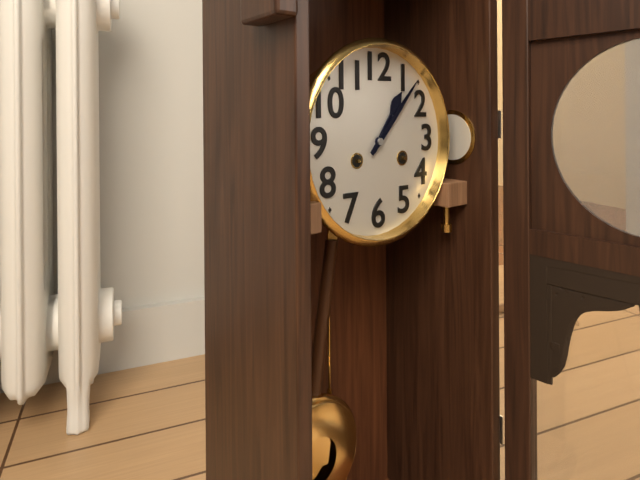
1:07
